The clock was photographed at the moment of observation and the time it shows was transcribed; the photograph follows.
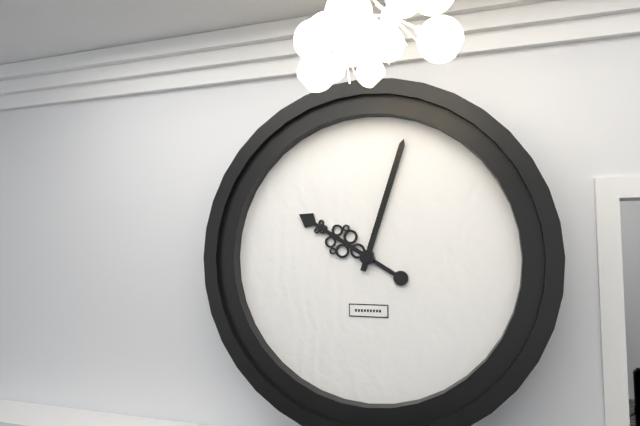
10:03
